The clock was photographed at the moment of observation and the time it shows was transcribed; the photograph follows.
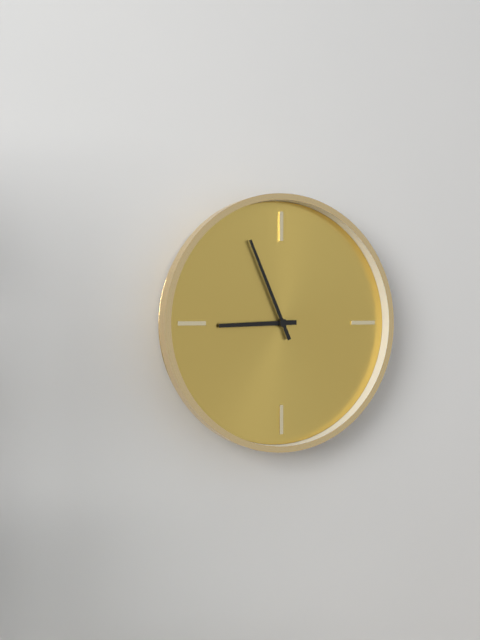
8:56
